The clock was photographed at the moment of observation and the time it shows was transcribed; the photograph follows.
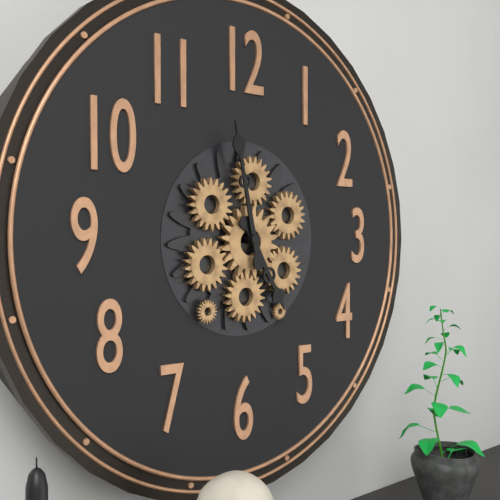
4:58
